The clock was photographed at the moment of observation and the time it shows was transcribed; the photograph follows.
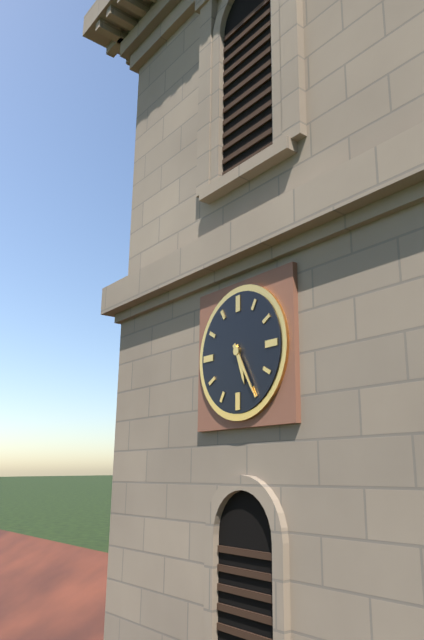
5:25
